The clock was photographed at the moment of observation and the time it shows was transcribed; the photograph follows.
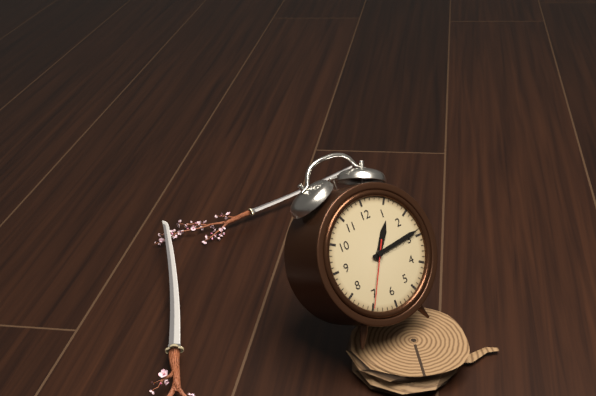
1:14:35
